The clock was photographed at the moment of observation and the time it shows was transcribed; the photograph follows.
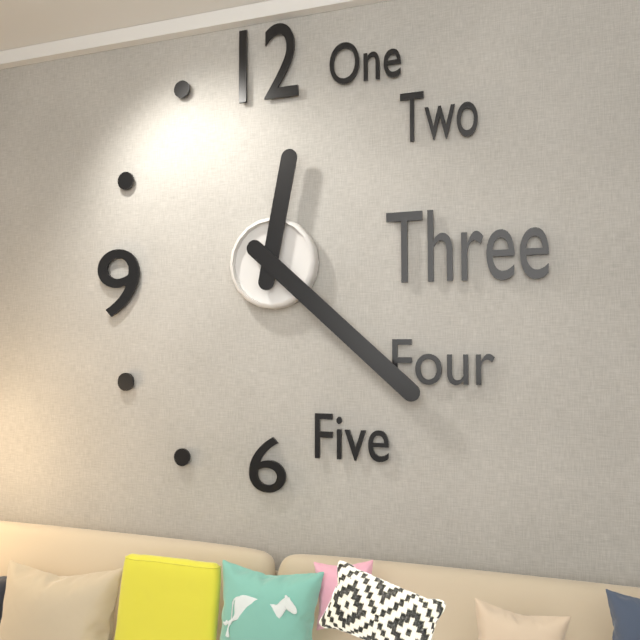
12:22
